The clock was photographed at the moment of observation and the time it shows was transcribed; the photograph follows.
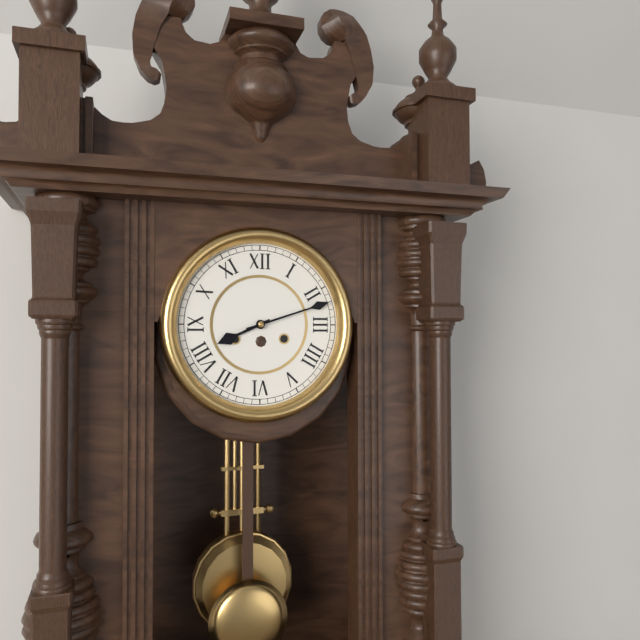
8:12
